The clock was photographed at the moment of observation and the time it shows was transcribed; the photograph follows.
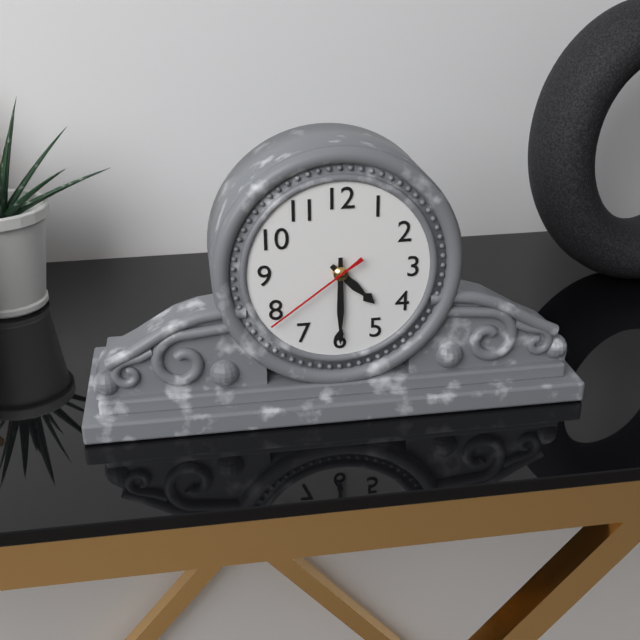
4:30:39
